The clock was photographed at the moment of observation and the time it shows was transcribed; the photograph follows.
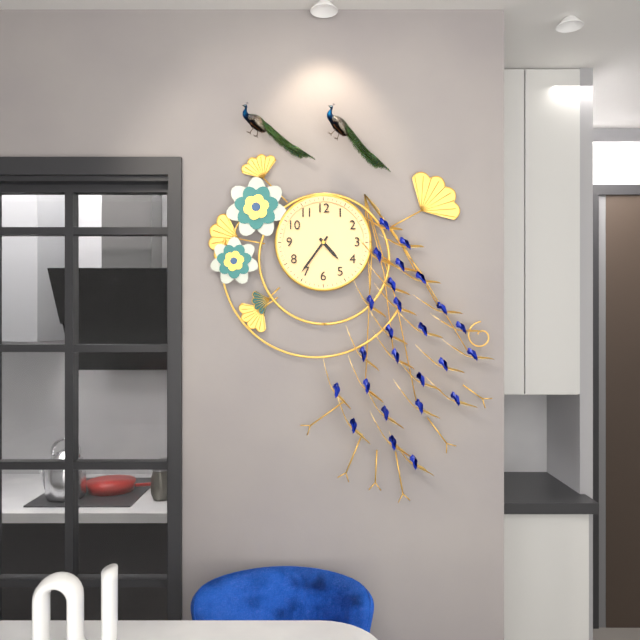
4:36
